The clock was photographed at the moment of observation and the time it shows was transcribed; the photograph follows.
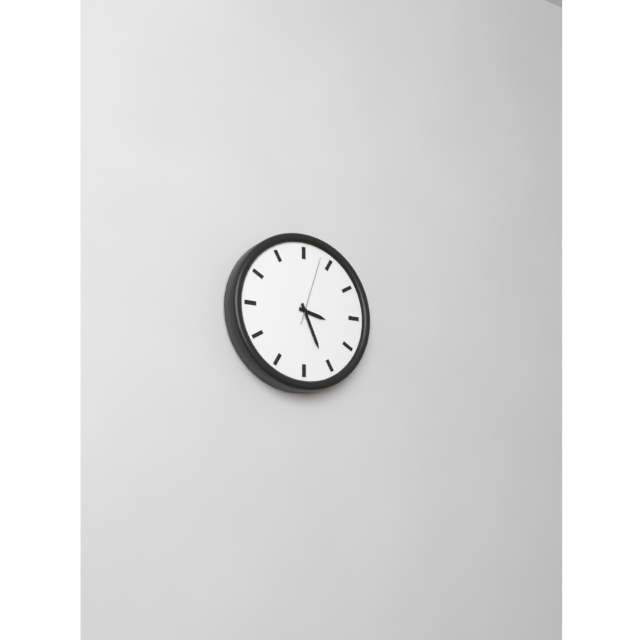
3:26:03
